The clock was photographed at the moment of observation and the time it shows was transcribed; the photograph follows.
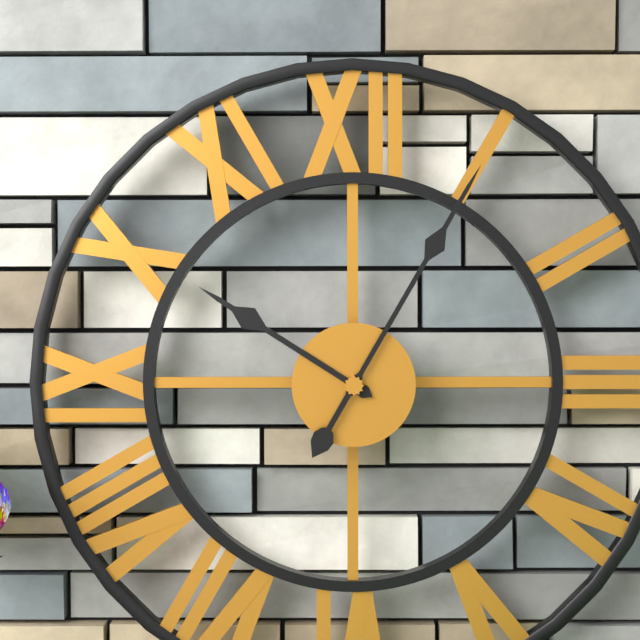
10:05
